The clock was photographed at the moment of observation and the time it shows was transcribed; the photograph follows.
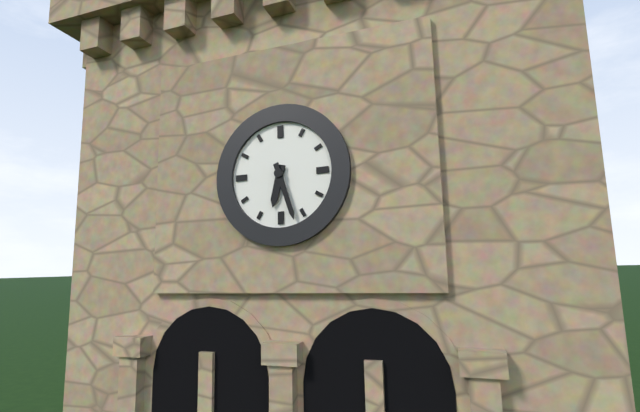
6:27
